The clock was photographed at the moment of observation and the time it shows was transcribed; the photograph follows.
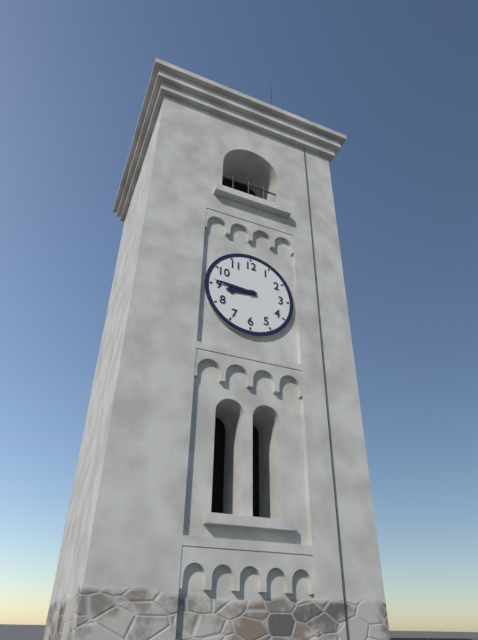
8:46
